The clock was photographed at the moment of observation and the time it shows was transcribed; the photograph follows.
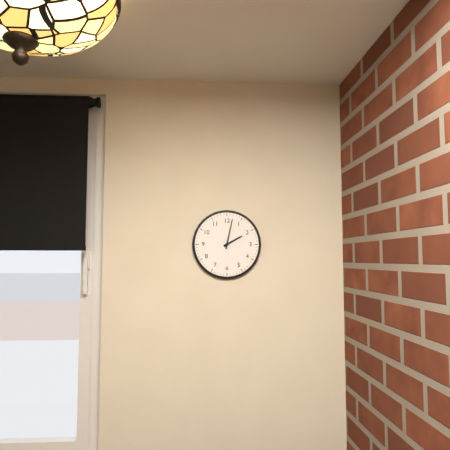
2:02
